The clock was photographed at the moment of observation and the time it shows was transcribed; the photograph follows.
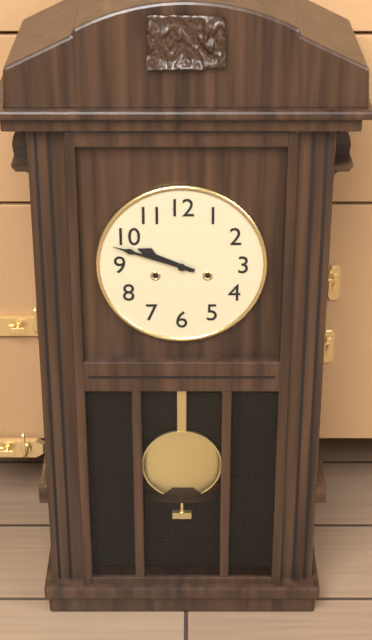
9:48
